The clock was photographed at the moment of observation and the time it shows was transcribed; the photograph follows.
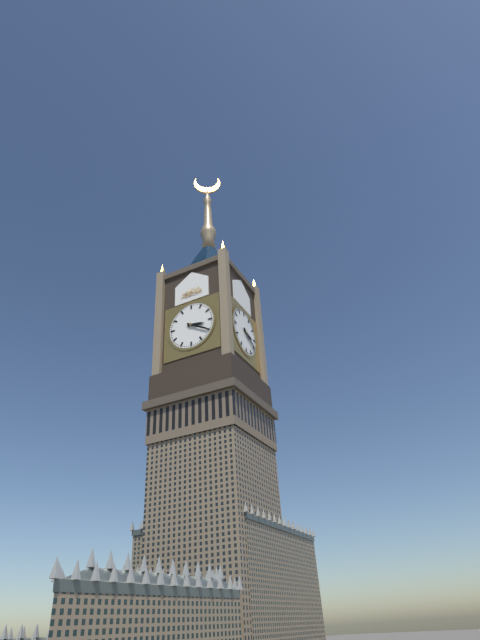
3:20
